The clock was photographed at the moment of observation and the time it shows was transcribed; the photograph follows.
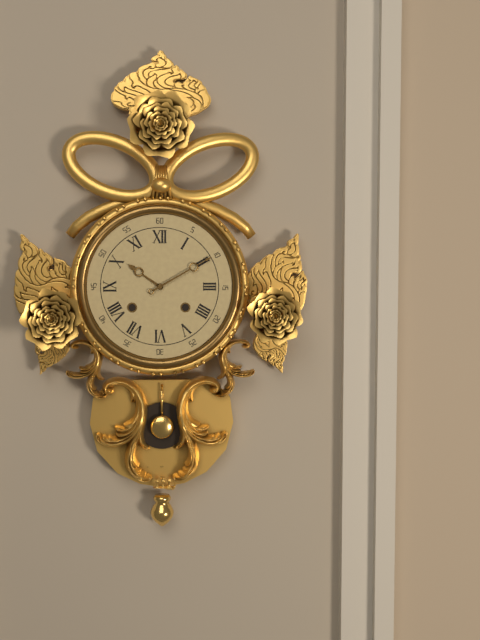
10:10
